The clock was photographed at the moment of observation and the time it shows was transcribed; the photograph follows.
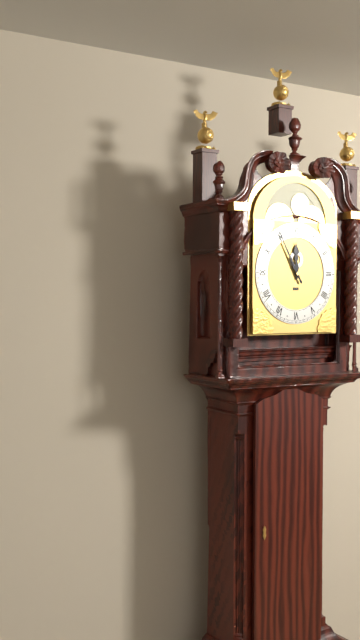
11:55
